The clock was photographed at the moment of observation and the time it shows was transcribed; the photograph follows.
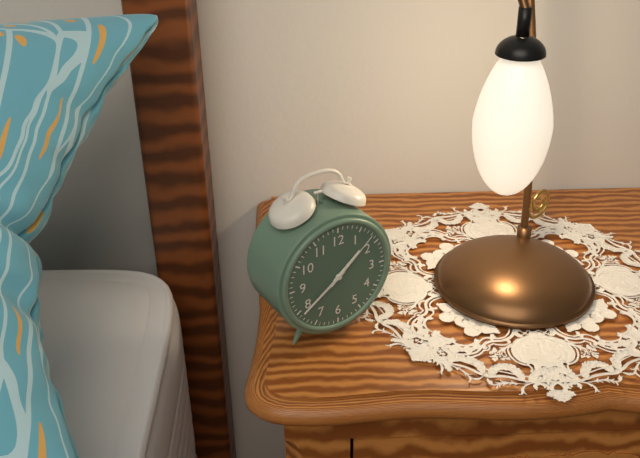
1:39:08
